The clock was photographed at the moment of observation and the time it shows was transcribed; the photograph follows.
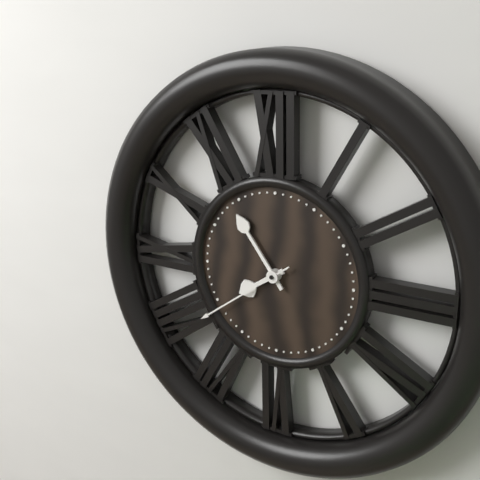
7:54:39
